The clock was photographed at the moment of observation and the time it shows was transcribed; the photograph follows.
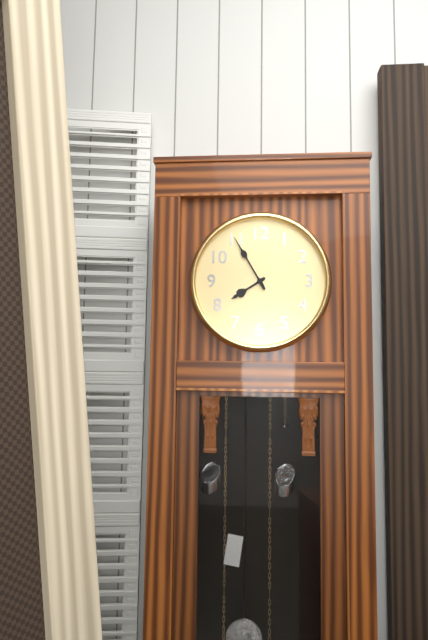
7:55
